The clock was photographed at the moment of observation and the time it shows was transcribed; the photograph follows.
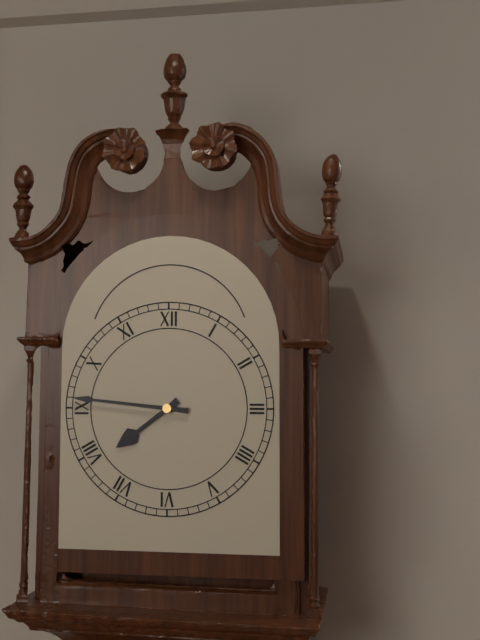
7:46
